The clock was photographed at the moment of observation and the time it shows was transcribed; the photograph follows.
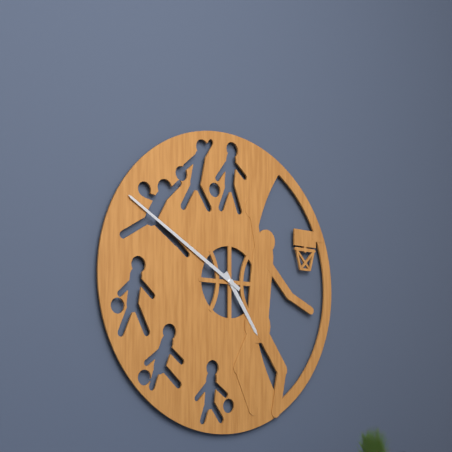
4:50
